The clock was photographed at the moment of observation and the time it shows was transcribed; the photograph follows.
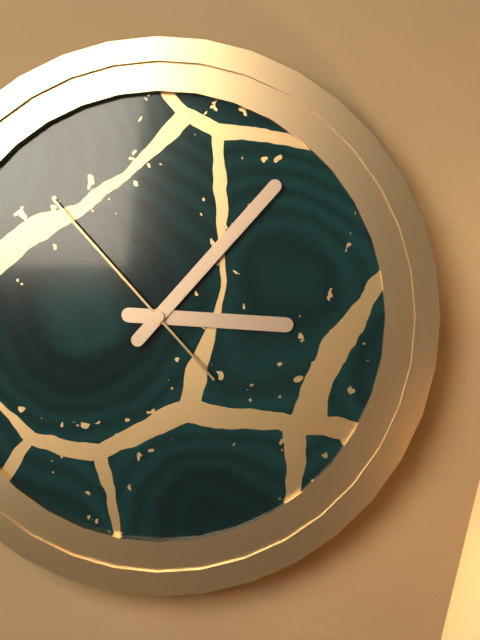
3:07:53
